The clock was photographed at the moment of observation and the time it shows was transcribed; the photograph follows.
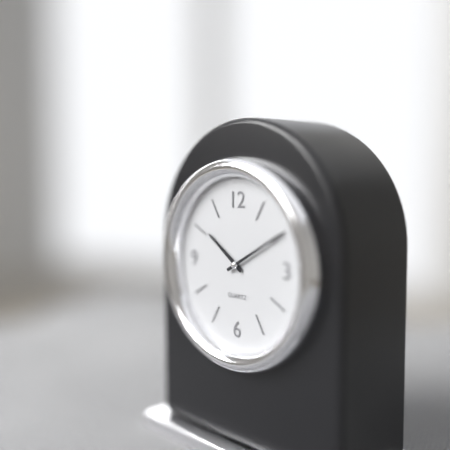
10:10
